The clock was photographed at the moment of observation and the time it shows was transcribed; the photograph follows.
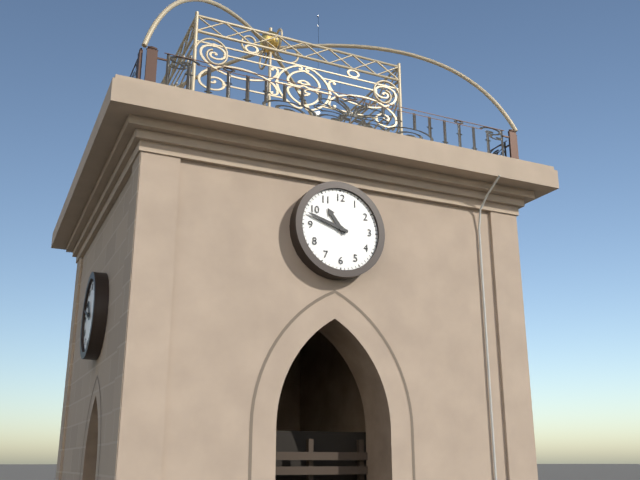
10:48
